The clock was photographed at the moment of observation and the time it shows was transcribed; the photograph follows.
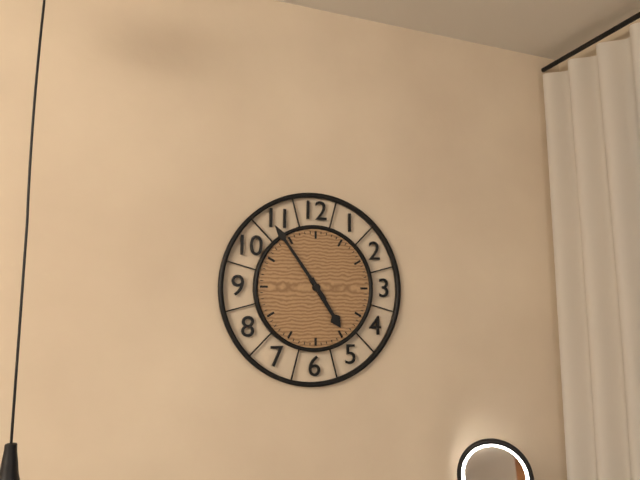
4:54
